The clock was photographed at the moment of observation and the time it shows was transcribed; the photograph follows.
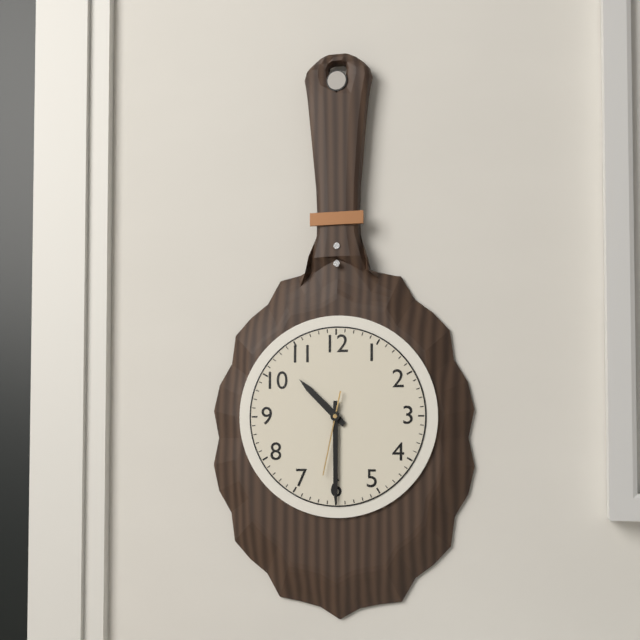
10:30:32
